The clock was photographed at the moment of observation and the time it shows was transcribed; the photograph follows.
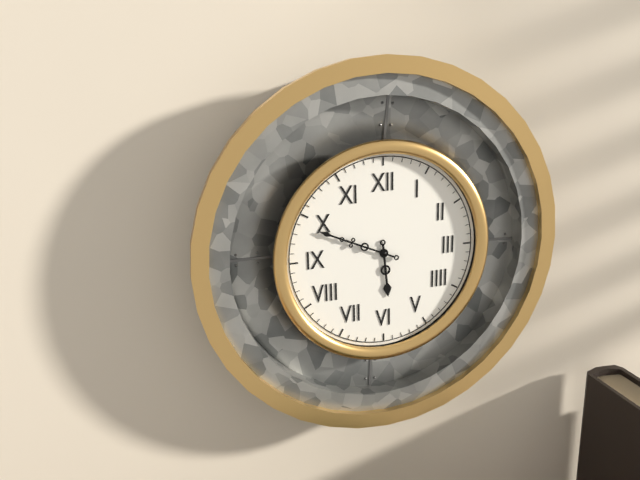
5:49
